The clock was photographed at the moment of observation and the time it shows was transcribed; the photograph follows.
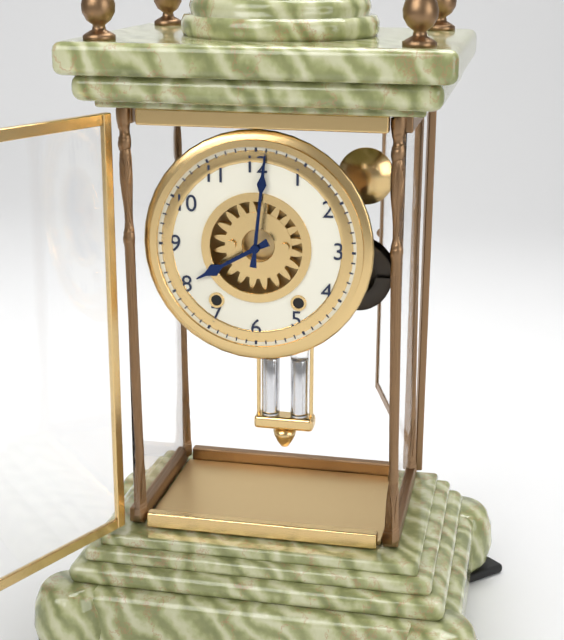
8:01
